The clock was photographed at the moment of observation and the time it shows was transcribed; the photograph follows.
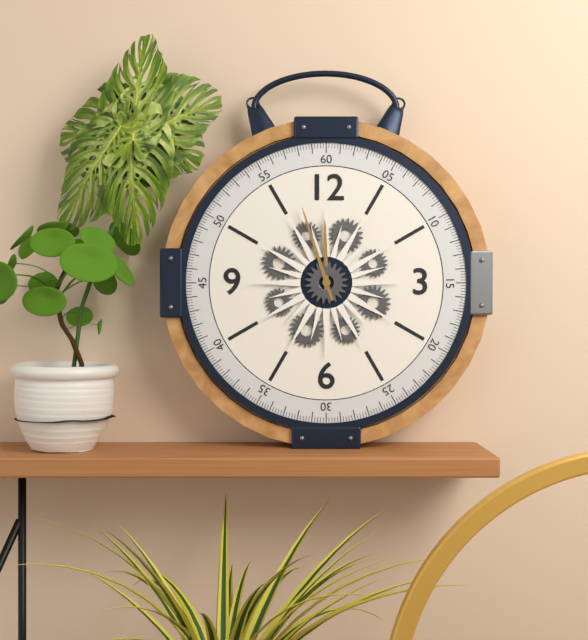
11:57
